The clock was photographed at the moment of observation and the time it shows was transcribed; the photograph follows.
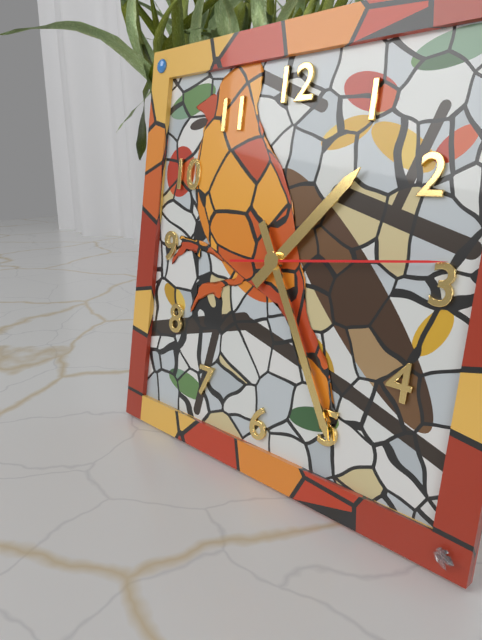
1:25:14
